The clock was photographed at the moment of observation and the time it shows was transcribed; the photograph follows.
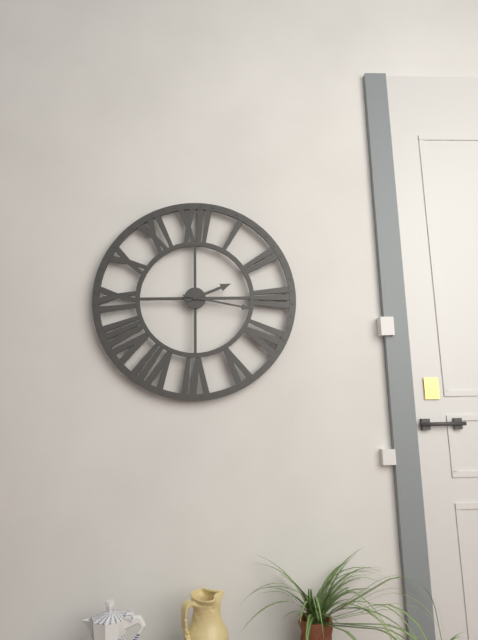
2:17
